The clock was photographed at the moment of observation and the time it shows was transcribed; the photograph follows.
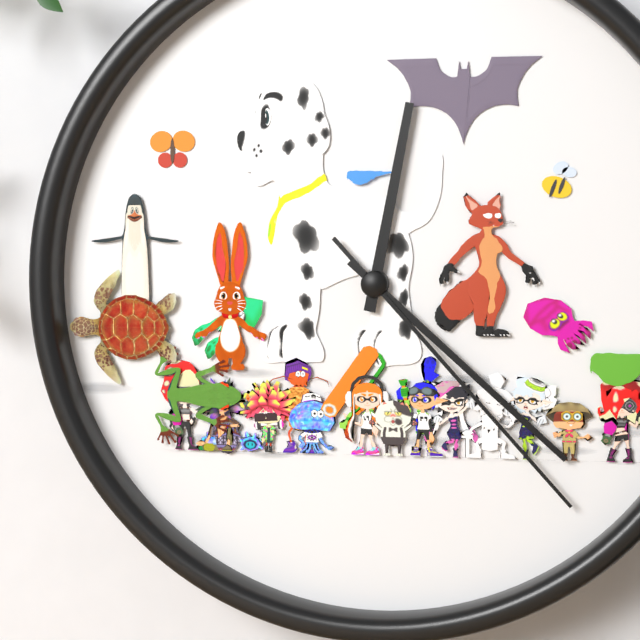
12:22:23
